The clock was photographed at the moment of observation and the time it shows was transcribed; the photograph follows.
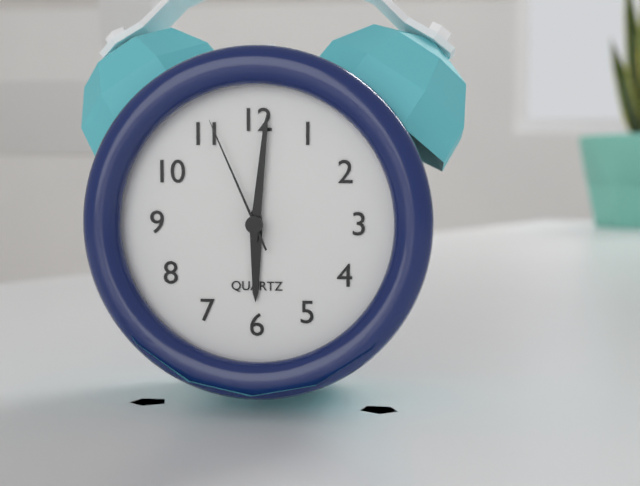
6:01:56
